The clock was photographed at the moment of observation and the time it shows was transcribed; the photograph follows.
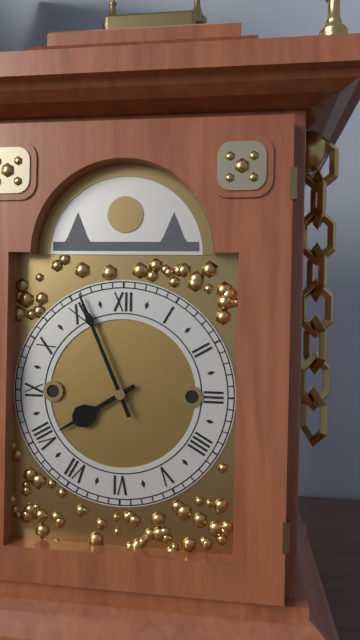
7:56
